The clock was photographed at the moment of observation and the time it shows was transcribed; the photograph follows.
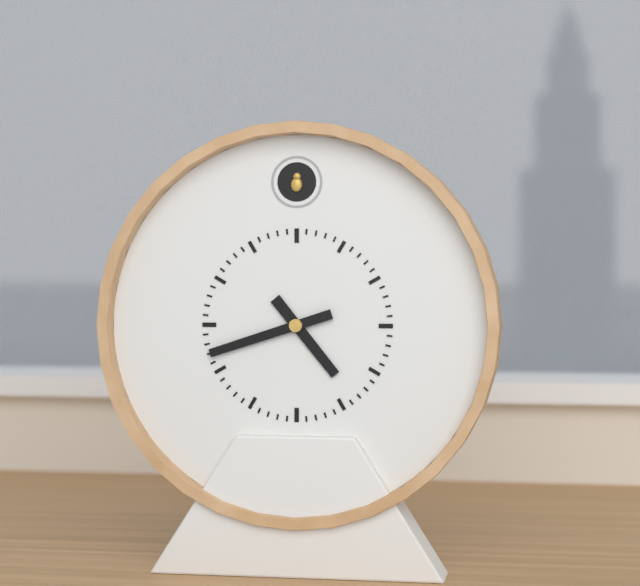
4:42
